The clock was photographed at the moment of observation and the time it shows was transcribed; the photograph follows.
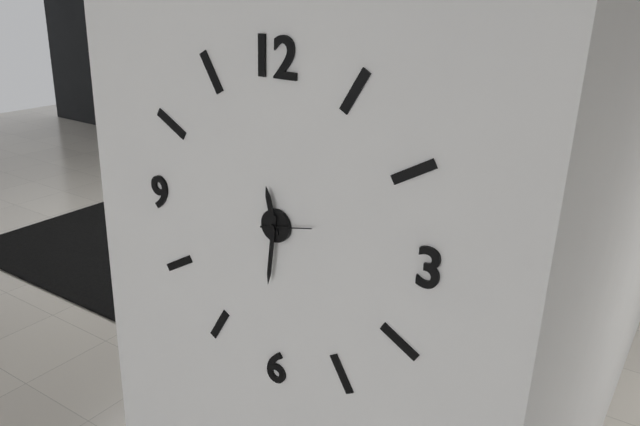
11:31
